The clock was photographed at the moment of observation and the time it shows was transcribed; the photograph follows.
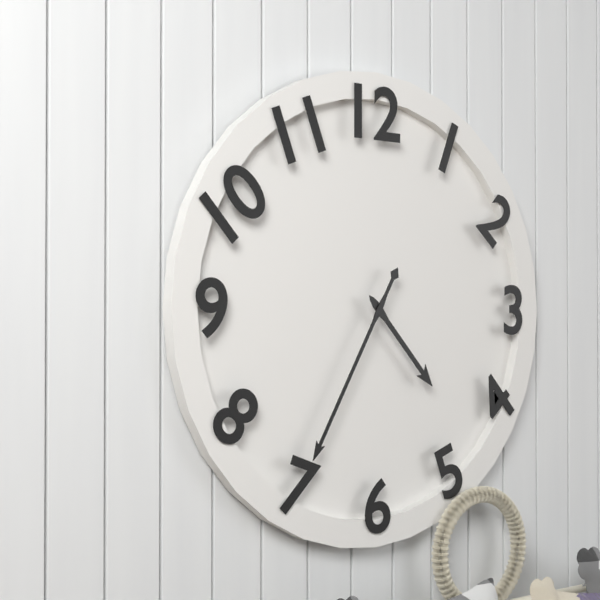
4:35
